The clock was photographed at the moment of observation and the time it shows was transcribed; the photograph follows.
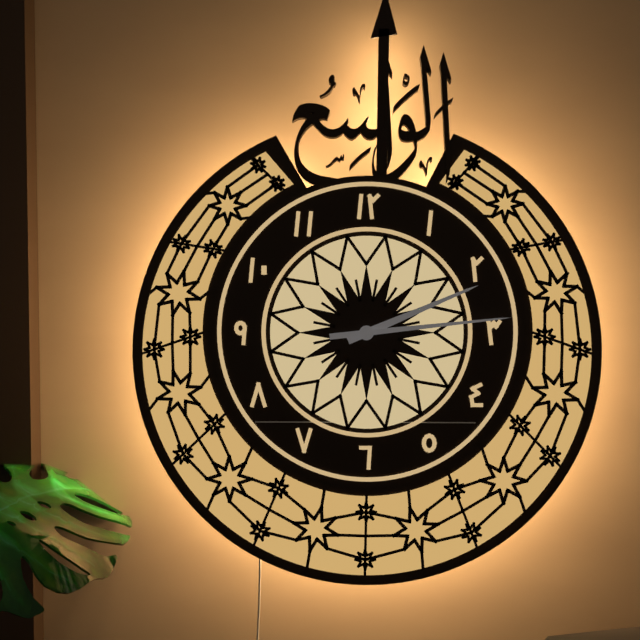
2:14
